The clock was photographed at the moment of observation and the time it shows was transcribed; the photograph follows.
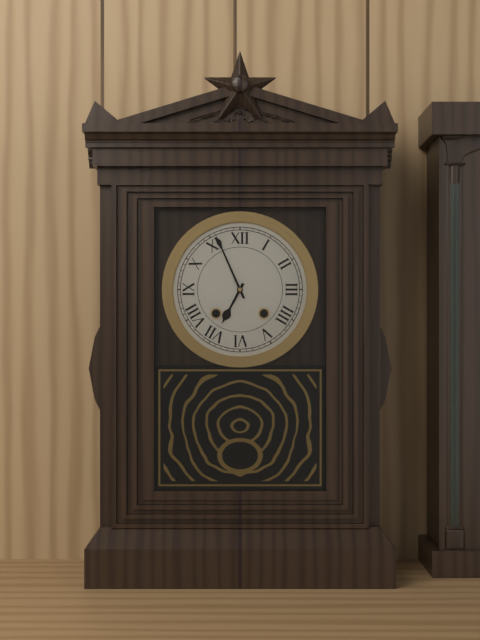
6:56
